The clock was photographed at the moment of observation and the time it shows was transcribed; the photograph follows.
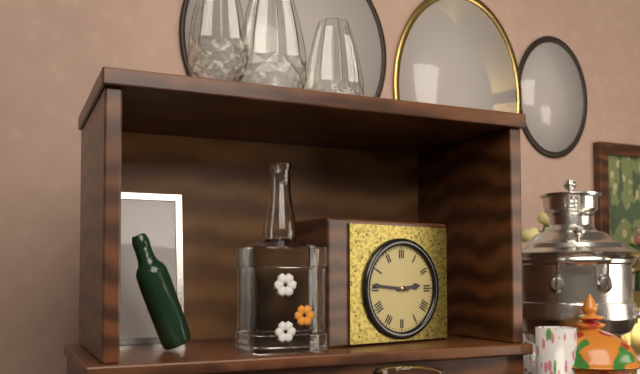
2:46
